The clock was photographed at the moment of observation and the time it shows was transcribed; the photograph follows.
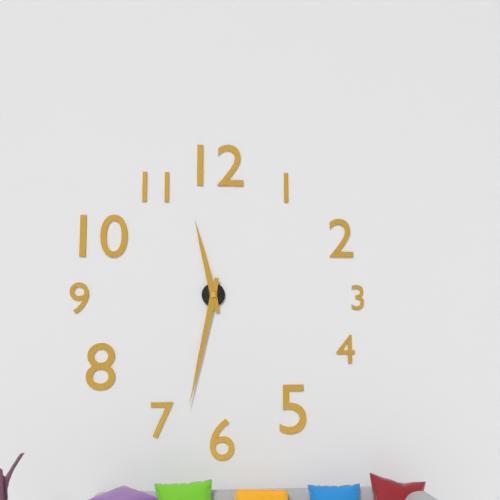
11:32
